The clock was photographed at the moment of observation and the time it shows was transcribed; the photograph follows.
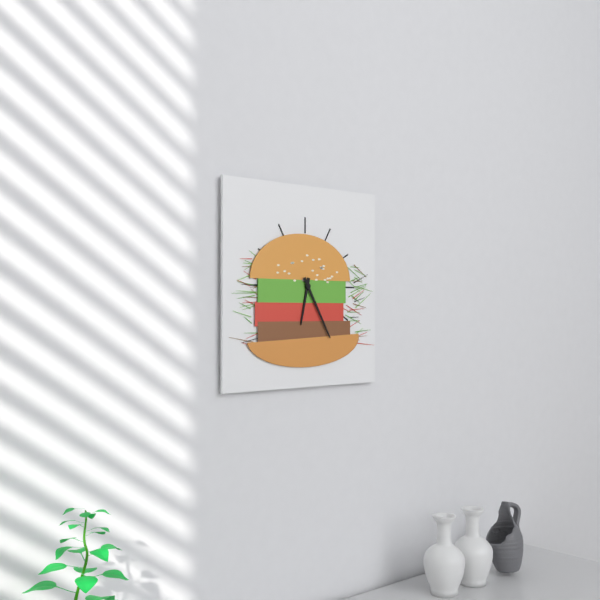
6:25
